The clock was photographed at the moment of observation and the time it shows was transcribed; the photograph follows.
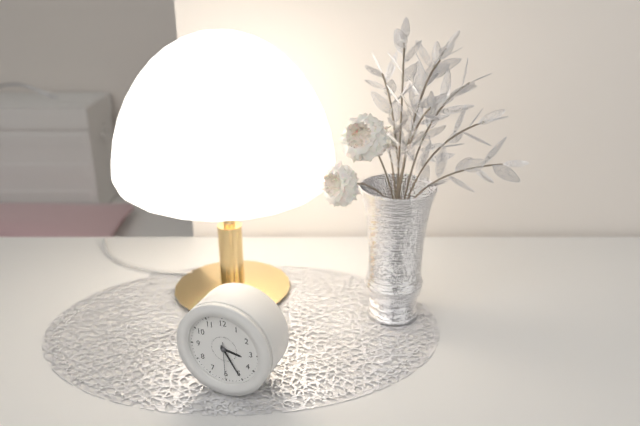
3:25
